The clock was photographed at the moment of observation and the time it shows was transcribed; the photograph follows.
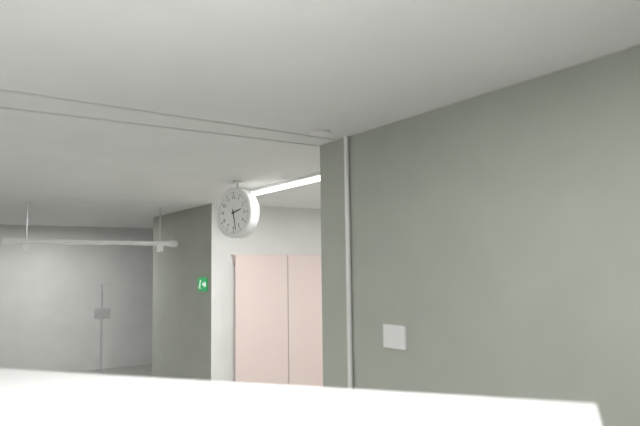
2:28
